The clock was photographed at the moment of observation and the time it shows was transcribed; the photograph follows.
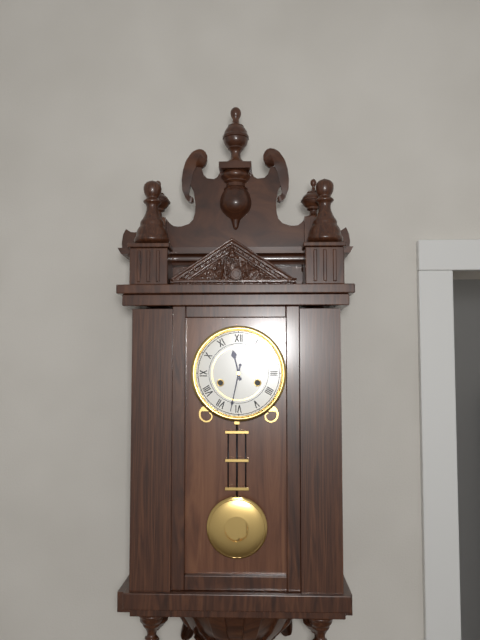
11:32
